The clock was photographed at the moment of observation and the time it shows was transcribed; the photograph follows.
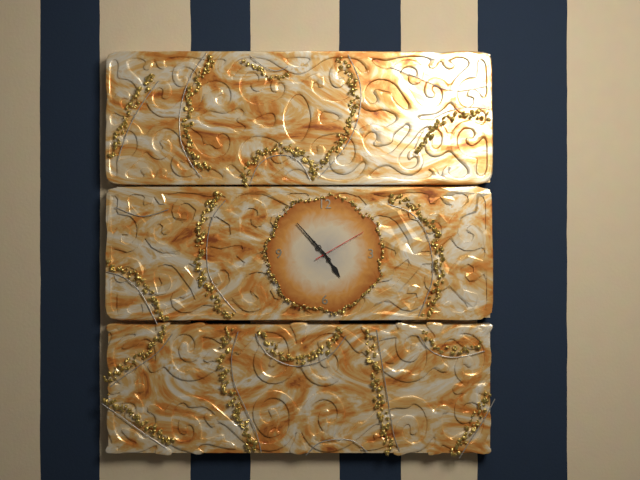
4:53:10
